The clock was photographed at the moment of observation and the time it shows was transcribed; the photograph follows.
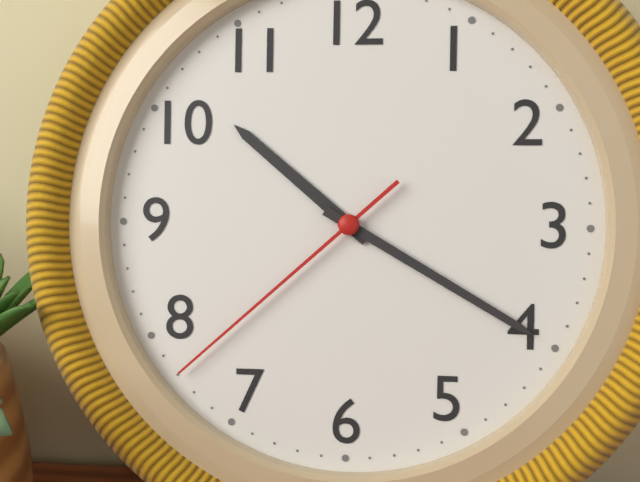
10:20:38
